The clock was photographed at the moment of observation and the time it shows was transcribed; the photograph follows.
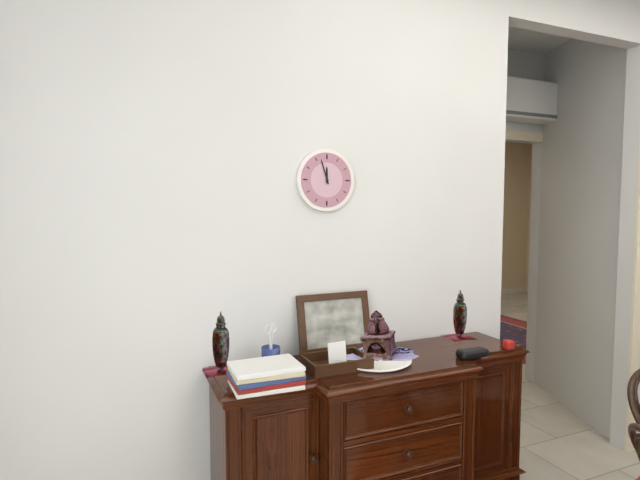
11:57
